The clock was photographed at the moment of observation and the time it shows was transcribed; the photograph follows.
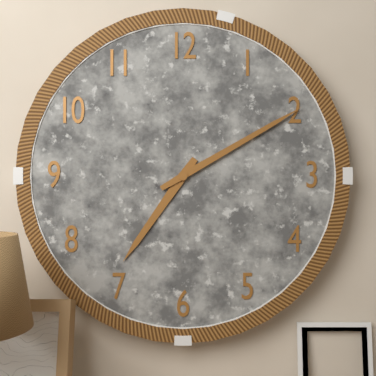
7:10
